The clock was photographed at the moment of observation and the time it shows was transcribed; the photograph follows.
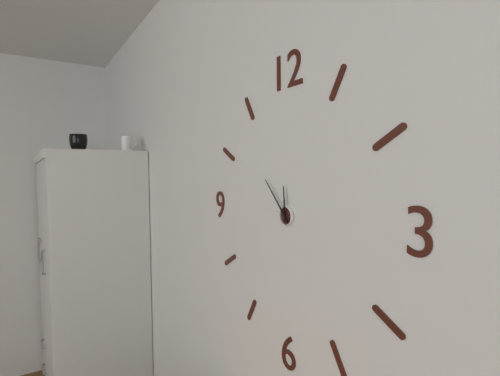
11:53
